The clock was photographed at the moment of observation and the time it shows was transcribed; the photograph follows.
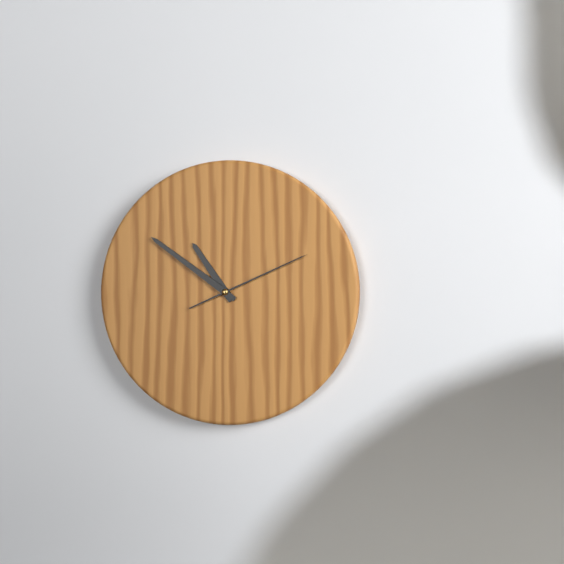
10:51:11
